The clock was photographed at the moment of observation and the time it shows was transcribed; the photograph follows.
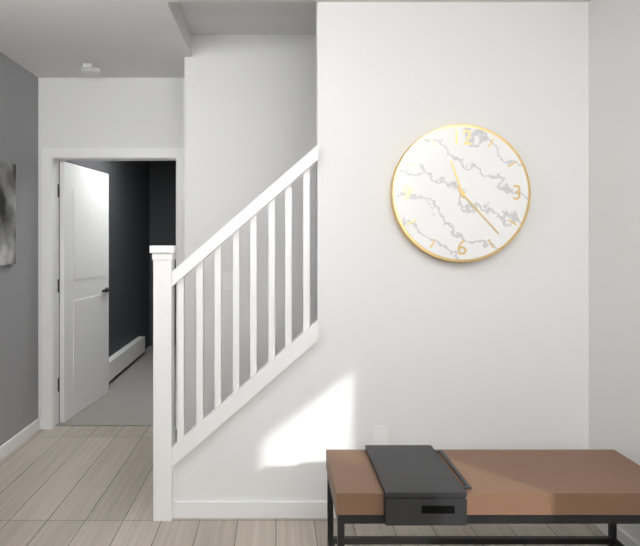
11:23
